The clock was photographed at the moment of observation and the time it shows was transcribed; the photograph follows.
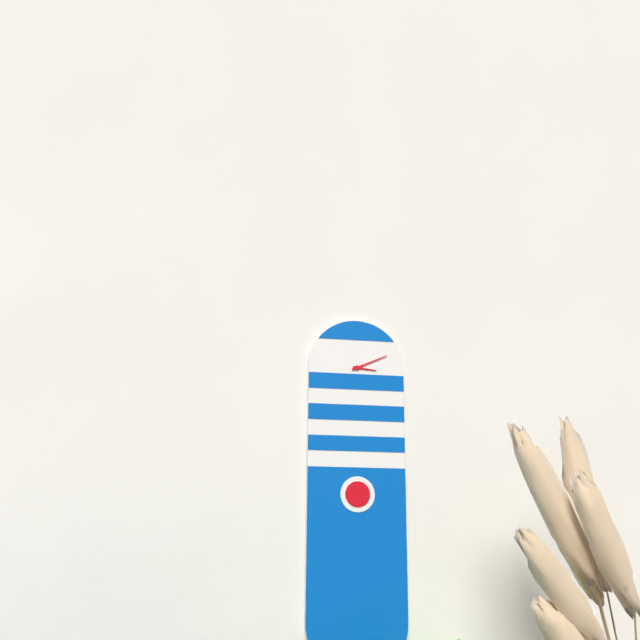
3:11
